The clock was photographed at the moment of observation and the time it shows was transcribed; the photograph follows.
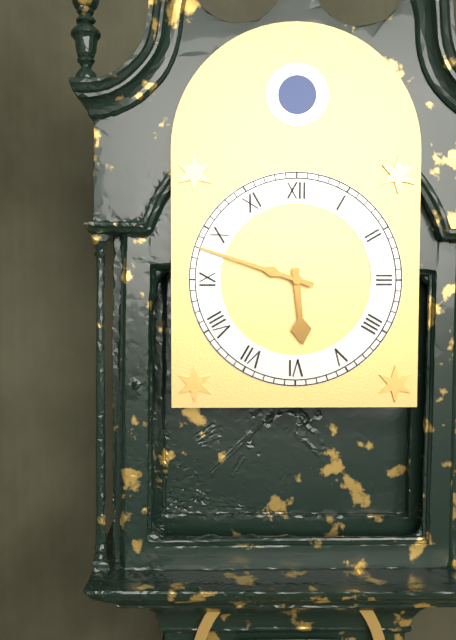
5:48
